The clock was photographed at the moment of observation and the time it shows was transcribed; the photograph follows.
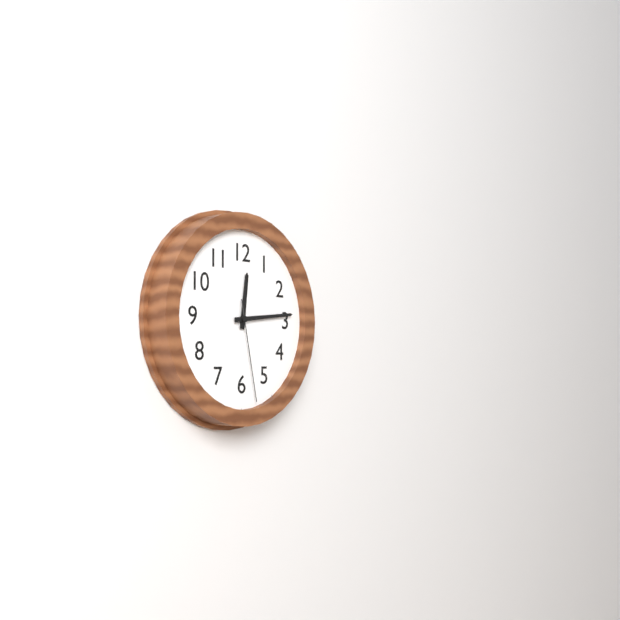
12:14:28
